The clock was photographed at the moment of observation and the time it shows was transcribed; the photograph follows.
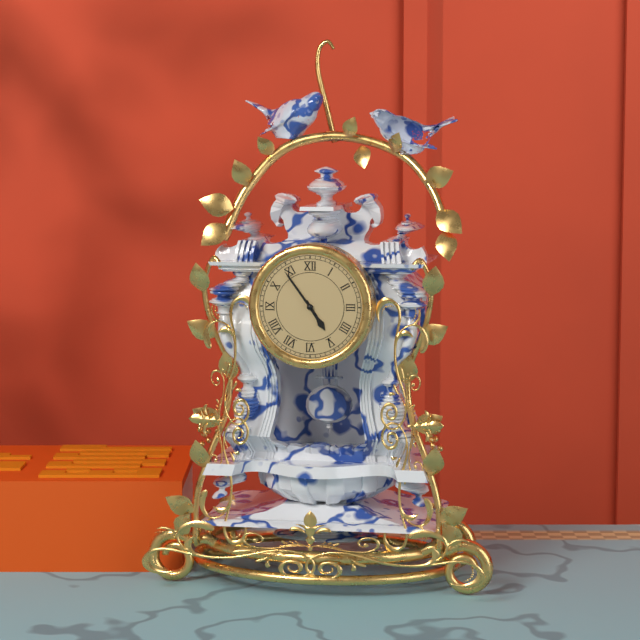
4:54
